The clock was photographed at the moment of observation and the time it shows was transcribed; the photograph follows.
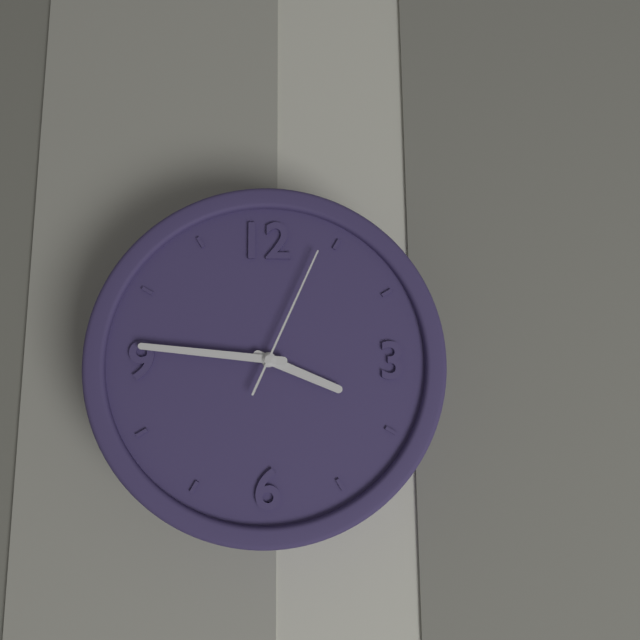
3:46:04
